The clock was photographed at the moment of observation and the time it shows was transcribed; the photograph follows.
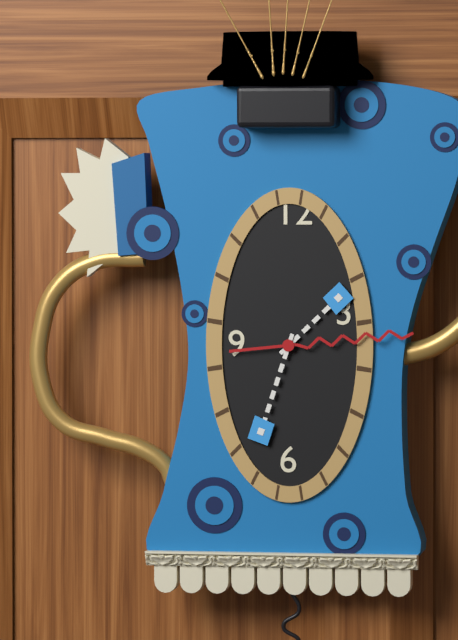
1:33:14
